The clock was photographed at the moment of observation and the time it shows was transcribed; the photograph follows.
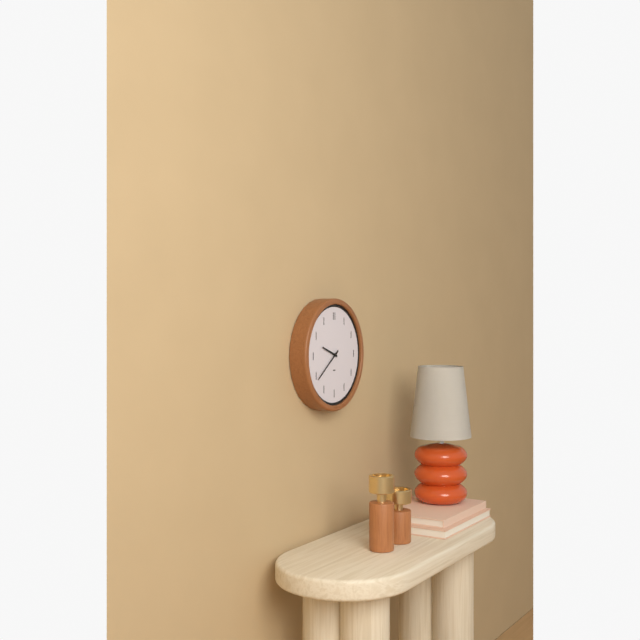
9:39
